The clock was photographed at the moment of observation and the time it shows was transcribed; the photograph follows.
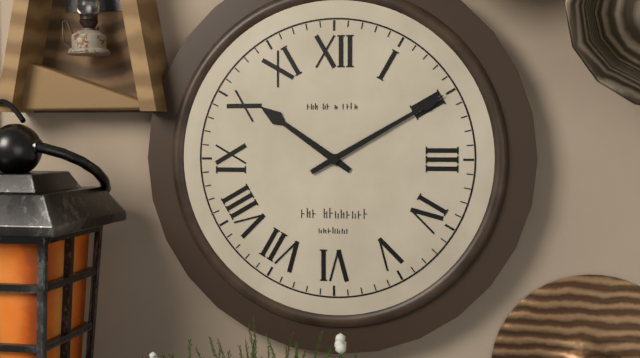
10:10
